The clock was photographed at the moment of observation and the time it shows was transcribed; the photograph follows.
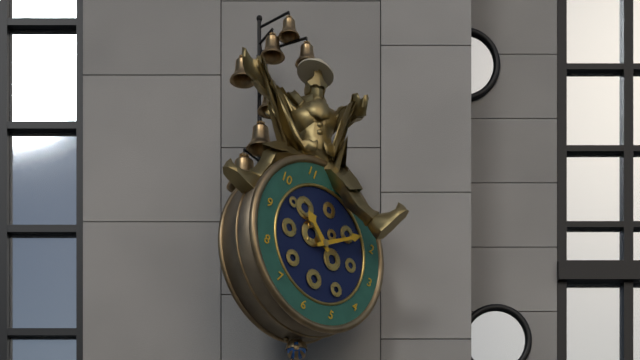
10:08
